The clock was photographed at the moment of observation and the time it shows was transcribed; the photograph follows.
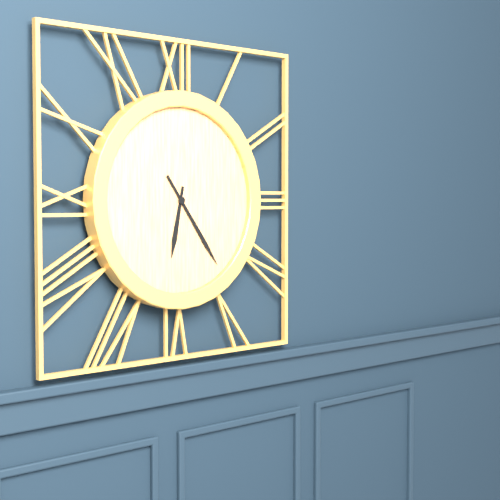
6:24
